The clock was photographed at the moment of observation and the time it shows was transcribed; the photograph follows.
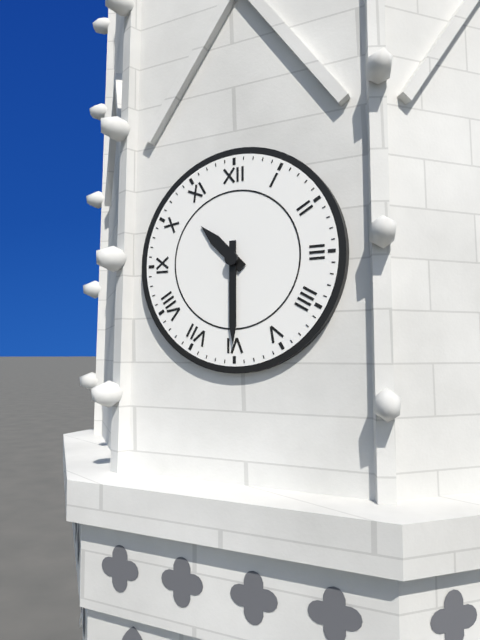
10:30
